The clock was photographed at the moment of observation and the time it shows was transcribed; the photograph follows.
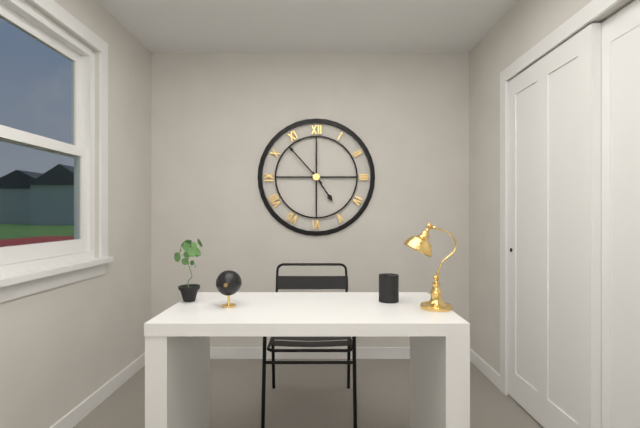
4:53
